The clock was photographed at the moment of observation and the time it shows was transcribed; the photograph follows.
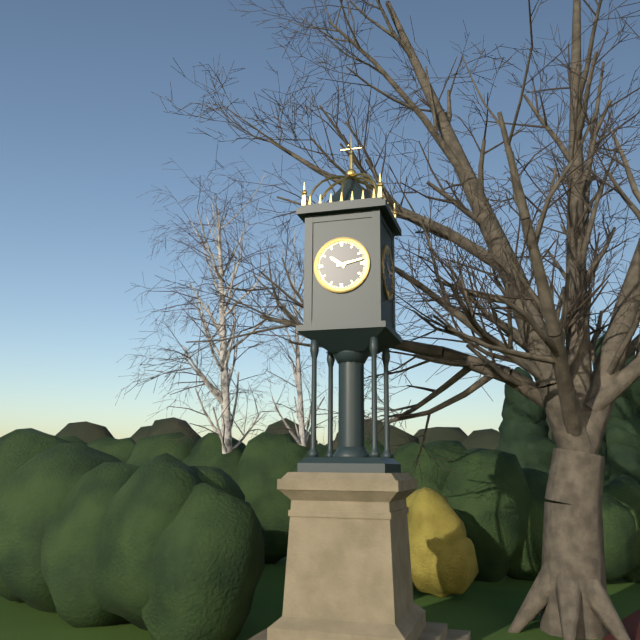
10:13
